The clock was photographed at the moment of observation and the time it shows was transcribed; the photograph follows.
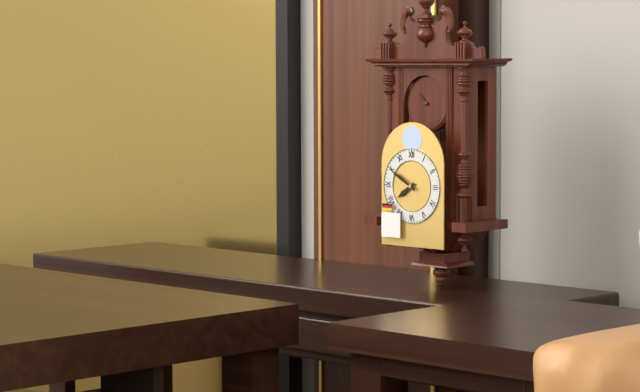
7:50
